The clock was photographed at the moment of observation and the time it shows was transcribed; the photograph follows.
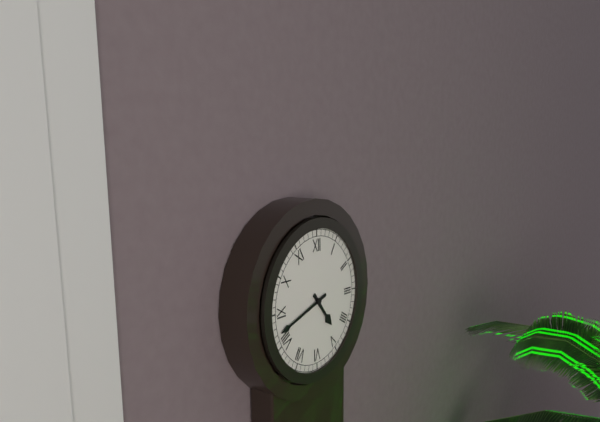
4:42
